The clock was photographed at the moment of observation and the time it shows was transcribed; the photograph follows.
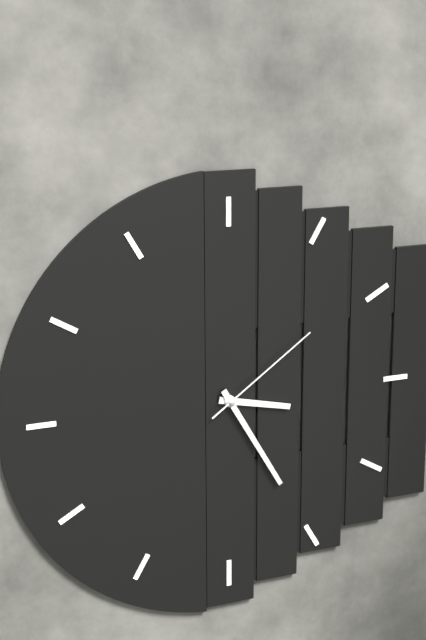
3:25:09
